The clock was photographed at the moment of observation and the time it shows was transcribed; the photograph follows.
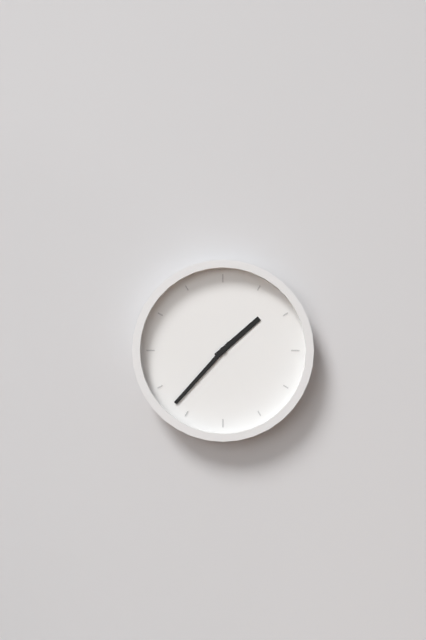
1:37
